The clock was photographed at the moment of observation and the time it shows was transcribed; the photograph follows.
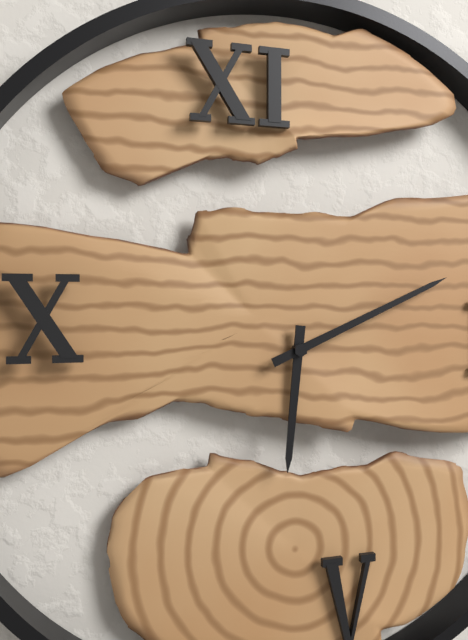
6:11
